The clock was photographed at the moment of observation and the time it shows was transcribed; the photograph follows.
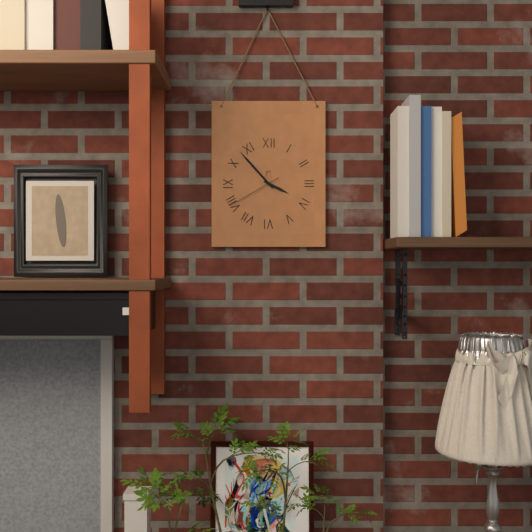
3:53:40
